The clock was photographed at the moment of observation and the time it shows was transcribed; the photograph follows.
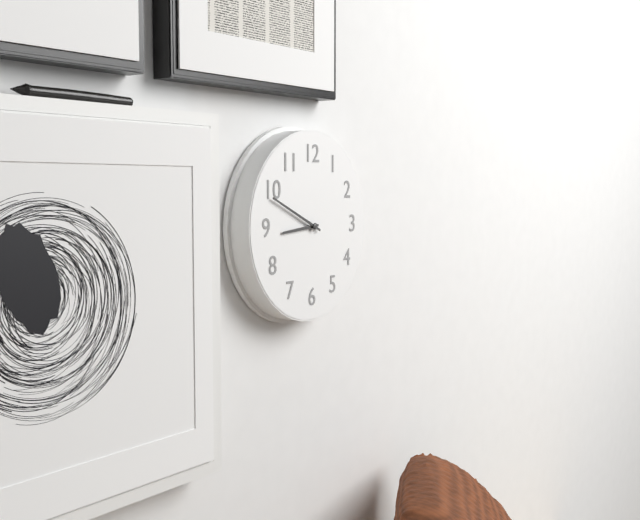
8:49
